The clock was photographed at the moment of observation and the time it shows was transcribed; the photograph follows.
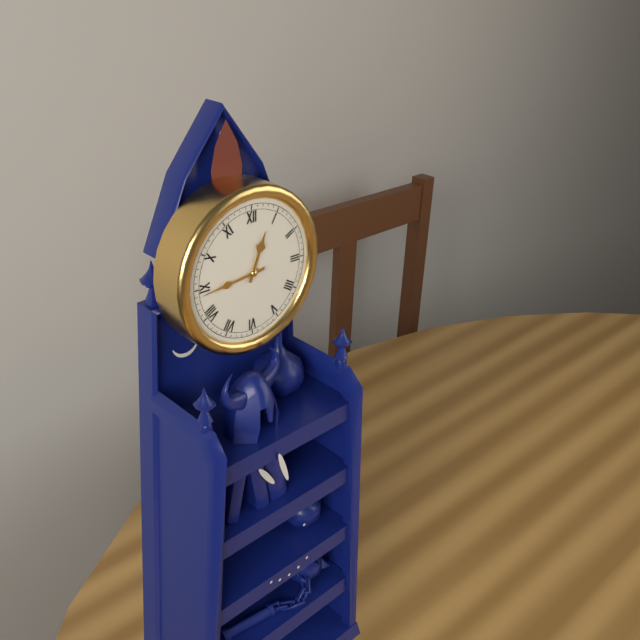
12:44
